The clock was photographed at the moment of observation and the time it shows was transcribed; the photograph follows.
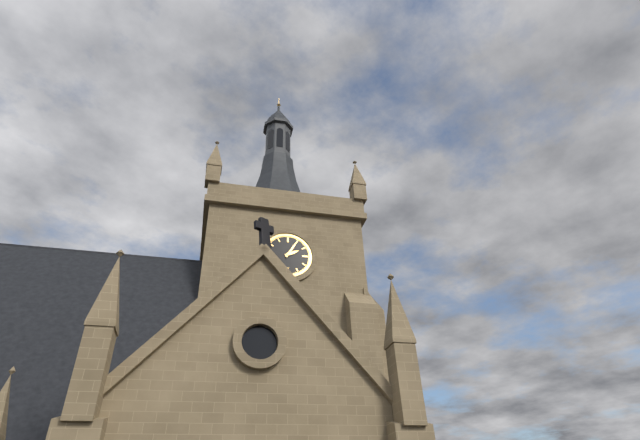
2:05
